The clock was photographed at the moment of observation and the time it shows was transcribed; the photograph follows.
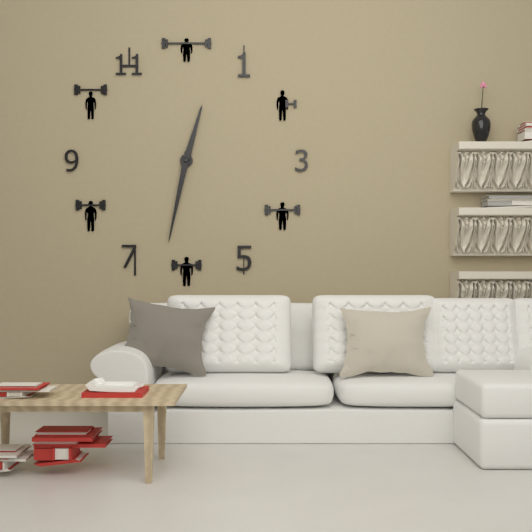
12:32
